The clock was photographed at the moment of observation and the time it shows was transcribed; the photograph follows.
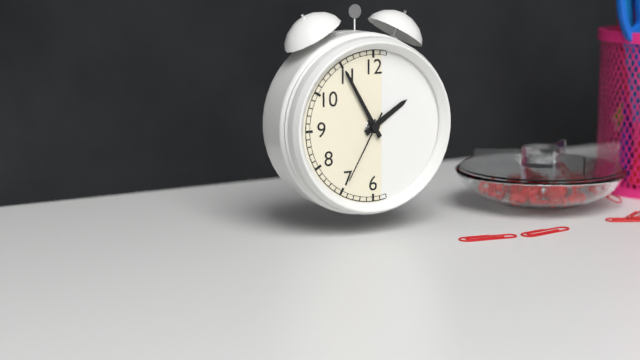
1:55:35
